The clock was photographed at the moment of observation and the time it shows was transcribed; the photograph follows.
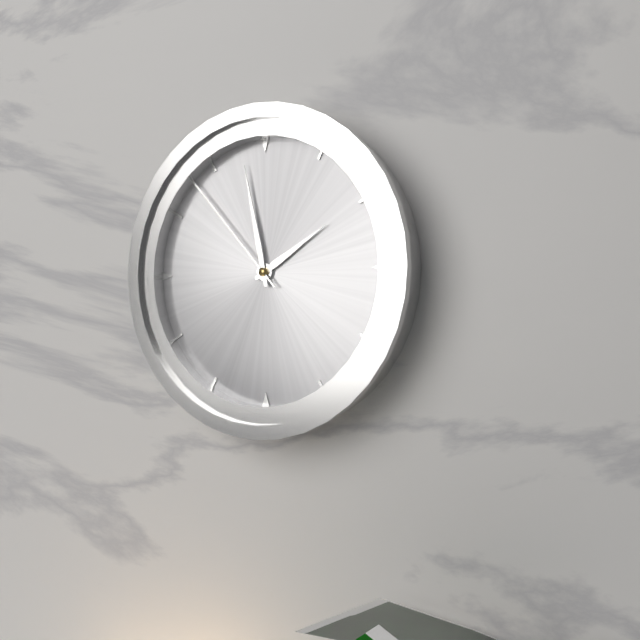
1:58:53
